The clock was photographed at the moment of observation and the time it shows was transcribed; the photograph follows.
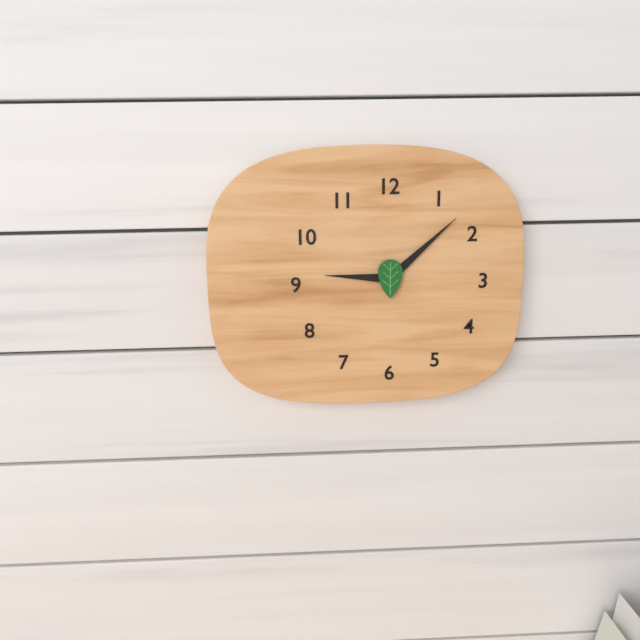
9:08
